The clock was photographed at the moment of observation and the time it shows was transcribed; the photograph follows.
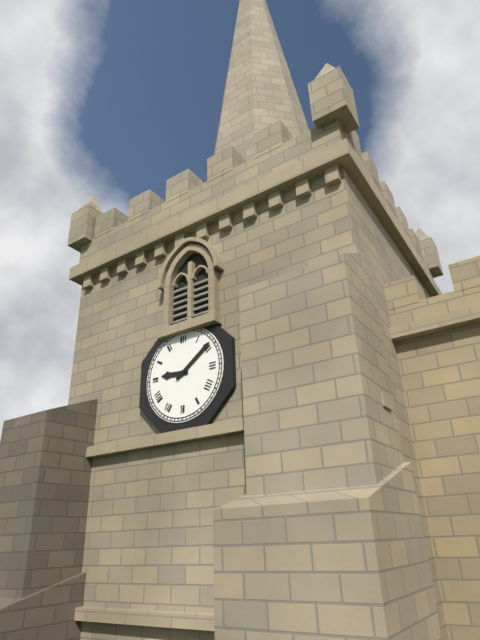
9:09
